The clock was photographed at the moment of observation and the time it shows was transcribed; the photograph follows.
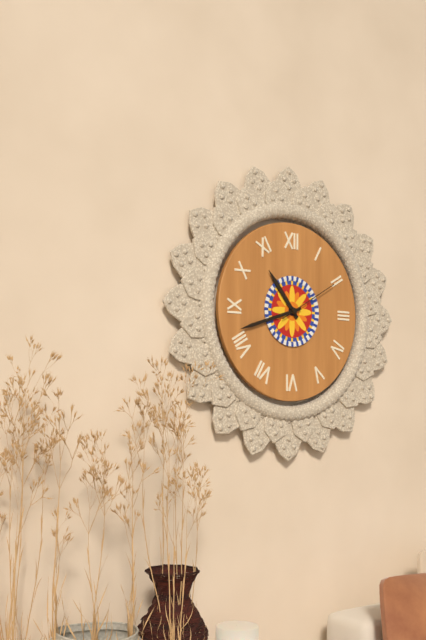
10:42:10
